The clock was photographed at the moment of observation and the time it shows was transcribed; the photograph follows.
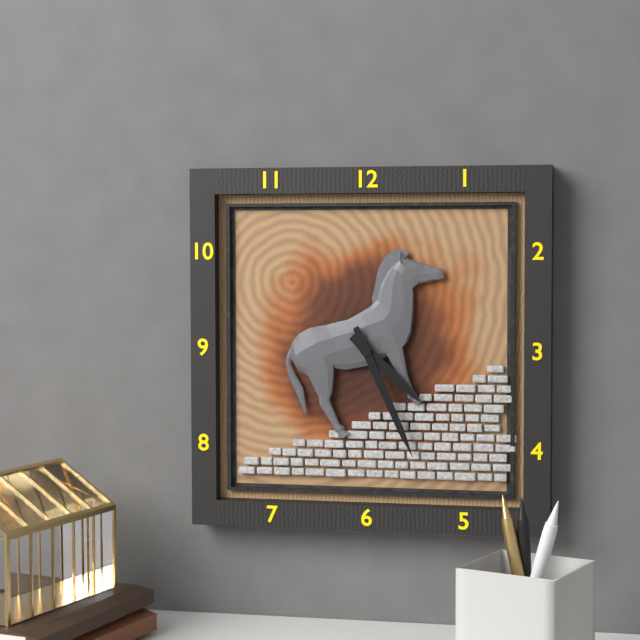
4:26
